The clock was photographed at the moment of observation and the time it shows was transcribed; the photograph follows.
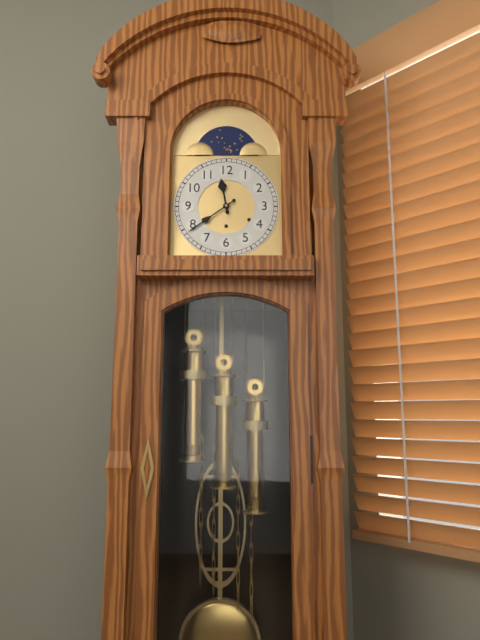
11:39
